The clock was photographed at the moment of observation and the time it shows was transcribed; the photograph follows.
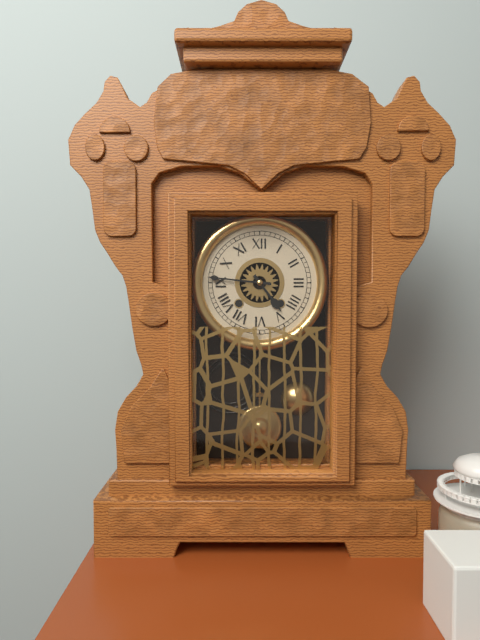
4:46
